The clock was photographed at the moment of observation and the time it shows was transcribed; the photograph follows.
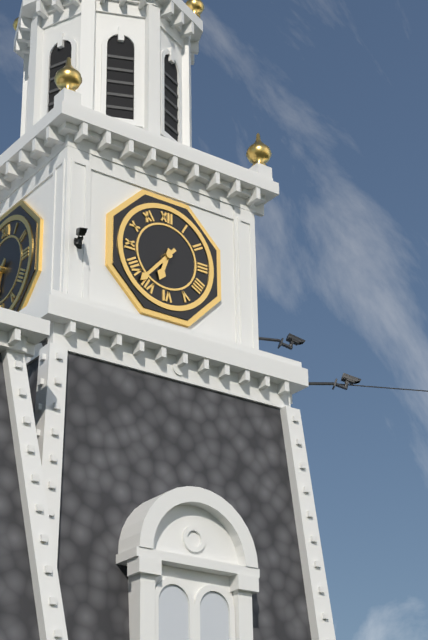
6:37
